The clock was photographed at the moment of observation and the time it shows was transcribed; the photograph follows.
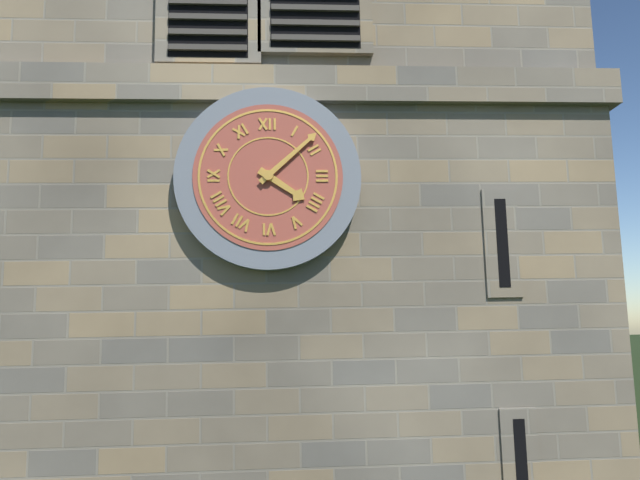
4:08
